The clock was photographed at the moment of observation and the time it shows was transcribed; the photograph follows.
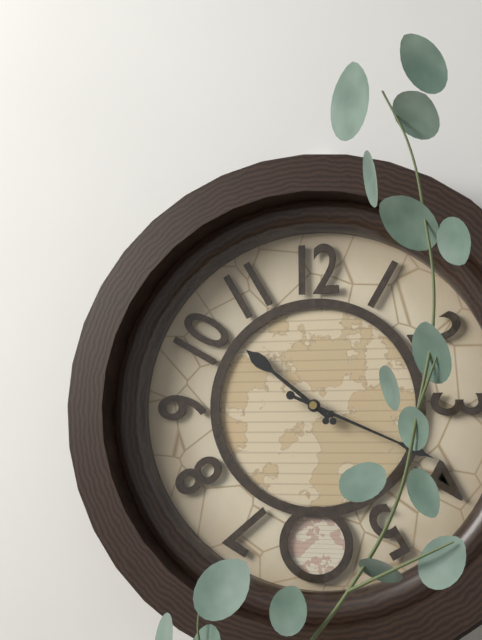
10:19
